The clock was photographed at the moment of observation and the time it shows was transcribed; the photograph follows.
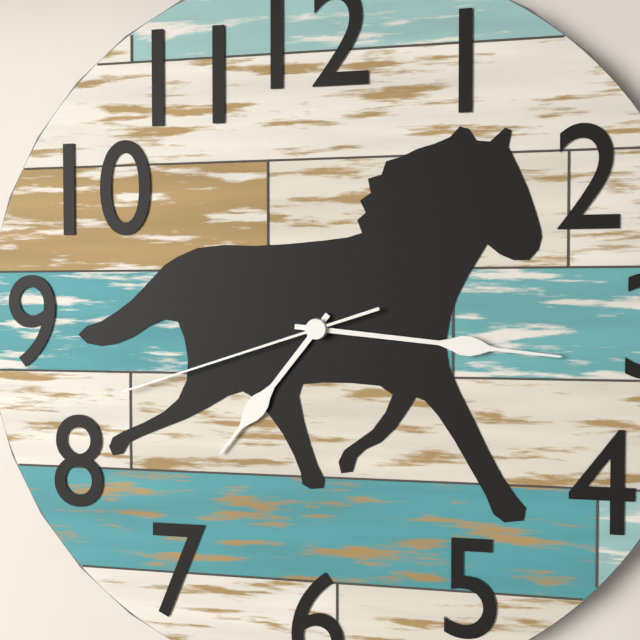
7:16:42
